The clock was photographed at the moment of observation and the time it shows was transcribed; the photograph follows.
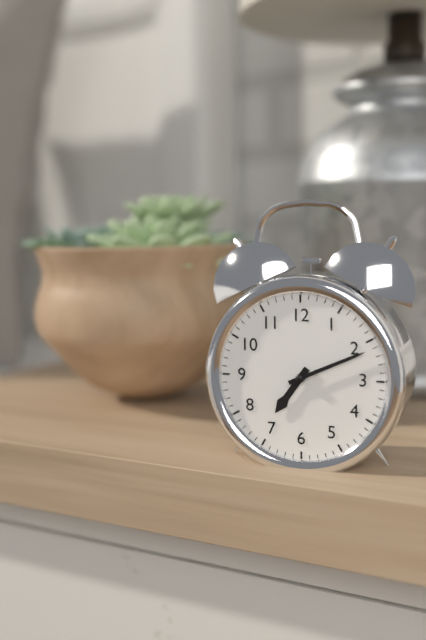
7:11
